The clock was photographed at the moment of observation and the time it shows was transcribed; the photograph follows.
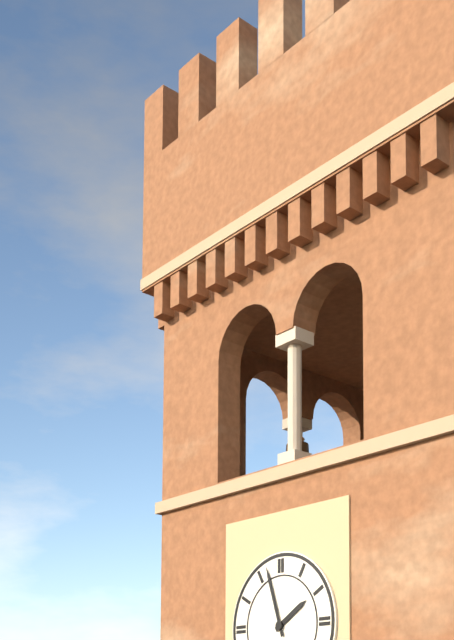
1:57
